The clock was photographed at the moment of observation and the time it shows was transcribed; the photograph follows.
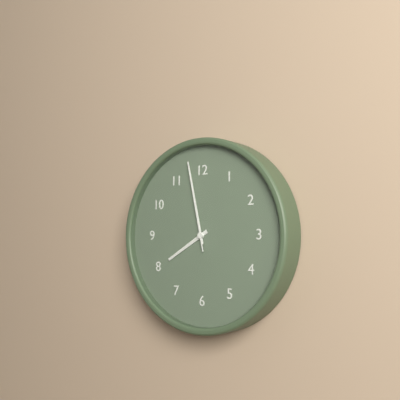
7:58:58
